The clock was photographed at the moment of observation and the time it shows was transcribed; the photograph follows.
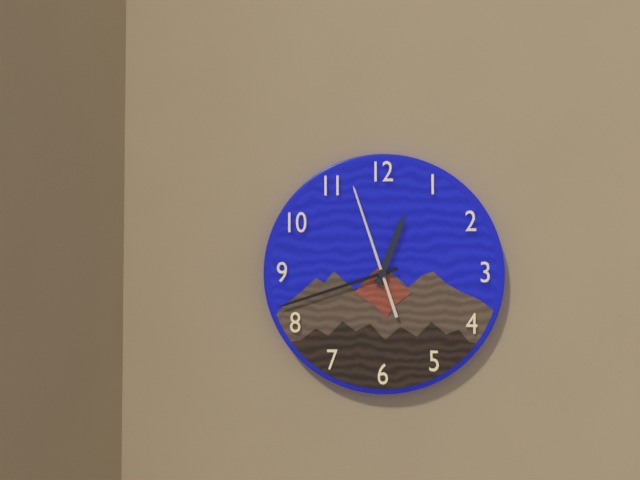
12:42:57
